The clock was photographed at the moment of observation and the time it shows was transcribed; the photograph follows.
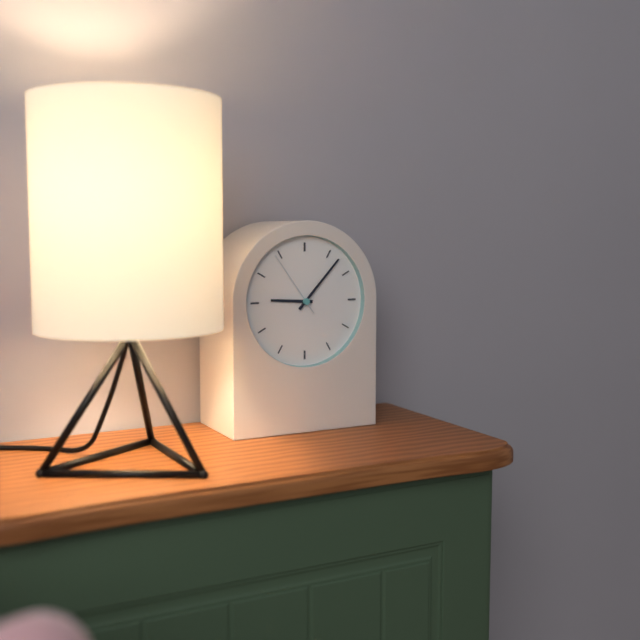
9:07:54
